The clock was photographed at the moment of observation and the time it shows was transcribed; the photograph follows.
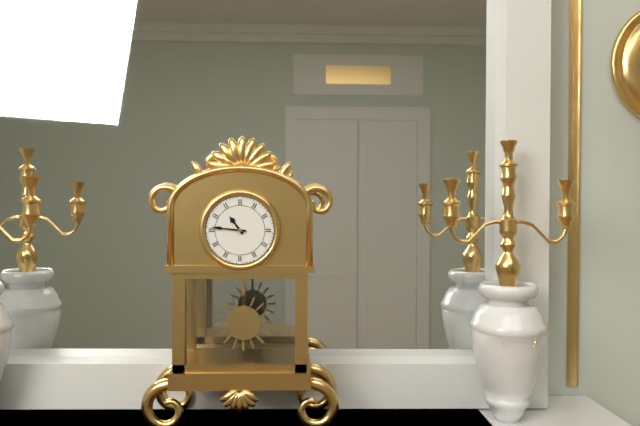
10:46
